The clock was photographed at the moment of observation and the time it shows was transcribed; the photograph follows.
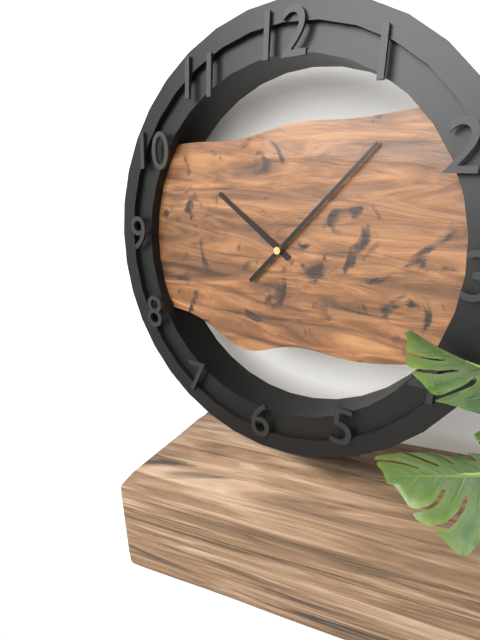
10:07
